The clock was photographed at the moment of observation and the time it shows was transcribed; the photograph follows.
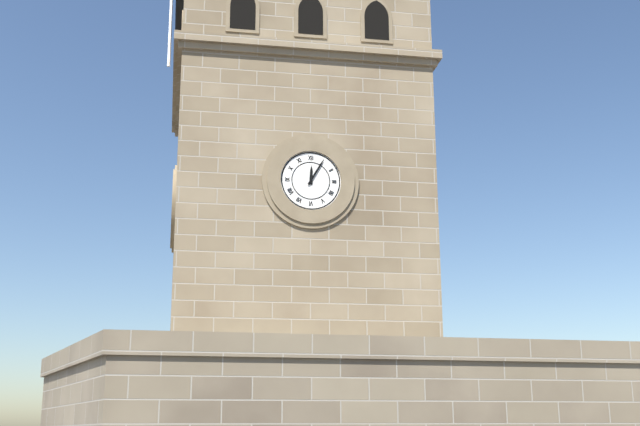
12:05
